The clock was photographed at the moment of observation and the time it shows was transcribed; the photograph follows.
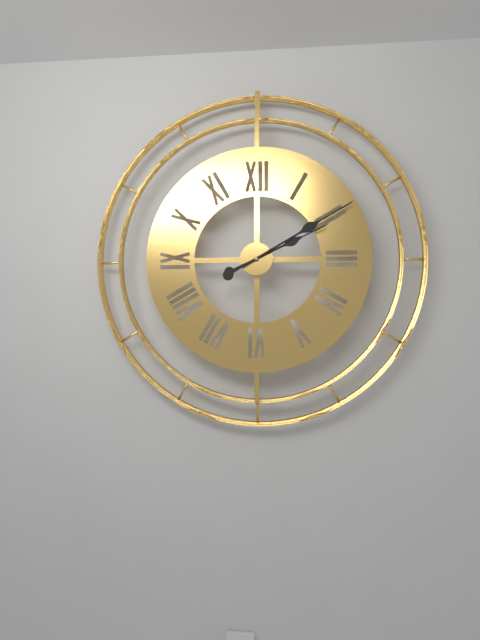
2:10
